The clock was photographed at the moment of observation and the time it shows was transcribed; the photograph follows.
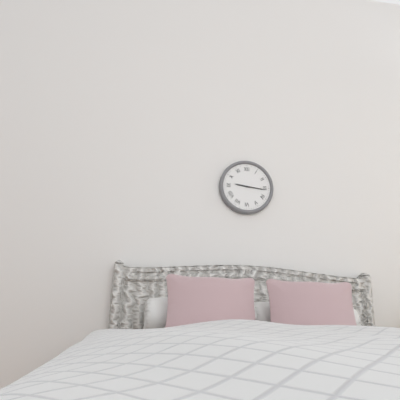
9:16
